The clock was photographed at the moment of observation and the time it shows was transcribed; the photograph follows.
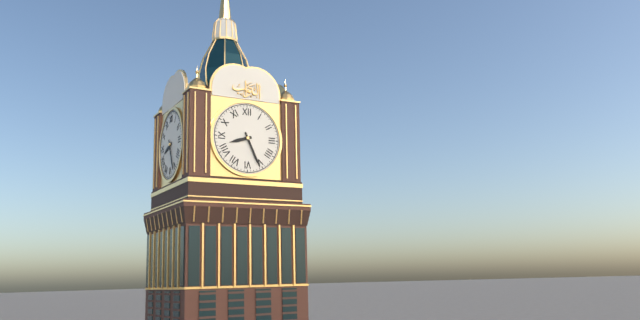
8:26
